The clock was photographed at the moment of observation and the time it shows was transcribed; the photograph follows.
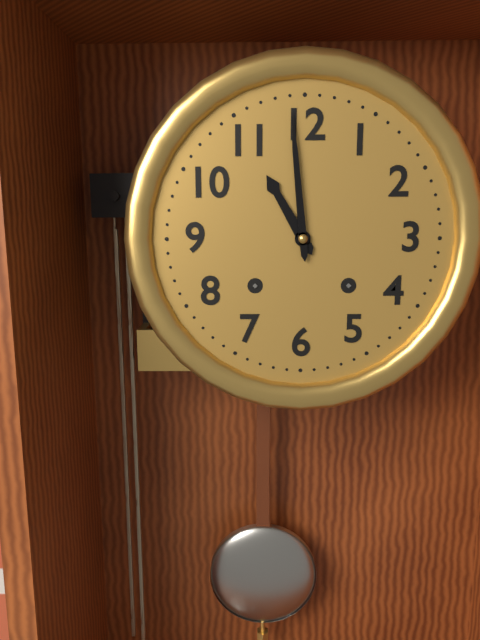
10:59
